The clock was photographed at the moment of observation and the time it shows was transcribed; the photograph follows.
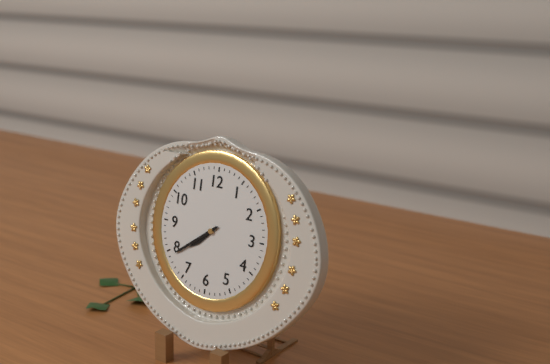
7:39
